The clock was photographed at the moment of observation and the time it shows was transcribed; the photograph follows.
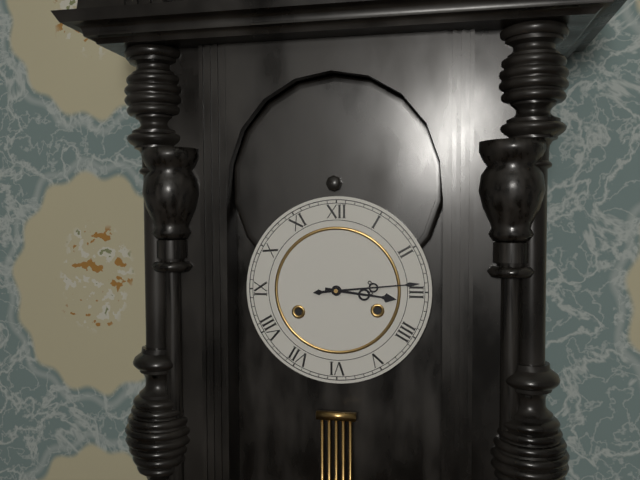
3:14
